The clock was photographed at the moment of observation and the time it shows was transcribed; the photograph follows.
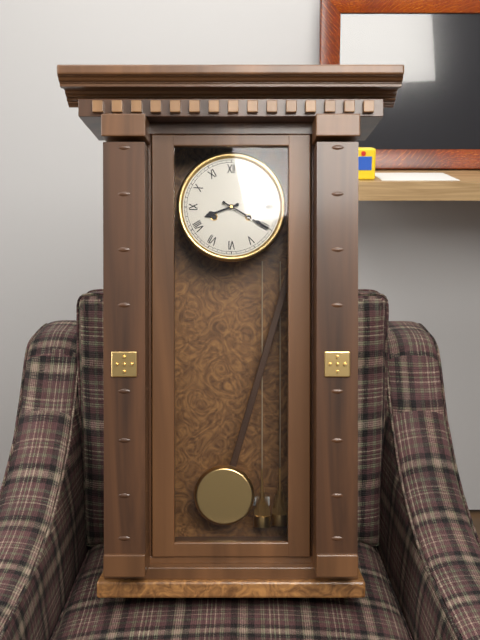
8:20
